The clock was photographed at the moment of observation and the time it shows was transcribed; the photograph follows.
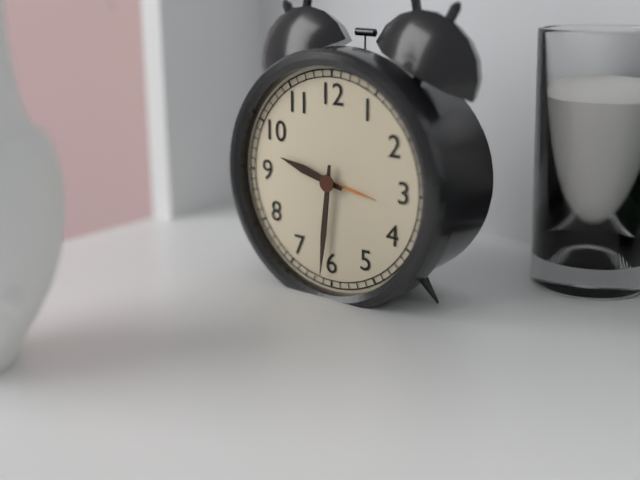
9:31
